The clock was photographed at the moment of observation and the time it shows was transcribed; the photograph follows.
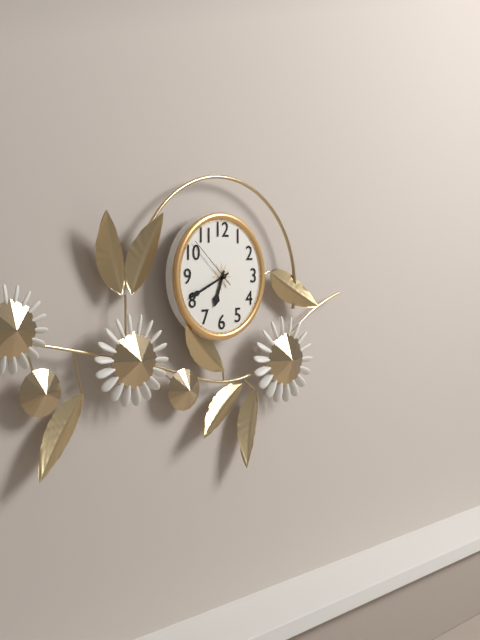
6:41:52
